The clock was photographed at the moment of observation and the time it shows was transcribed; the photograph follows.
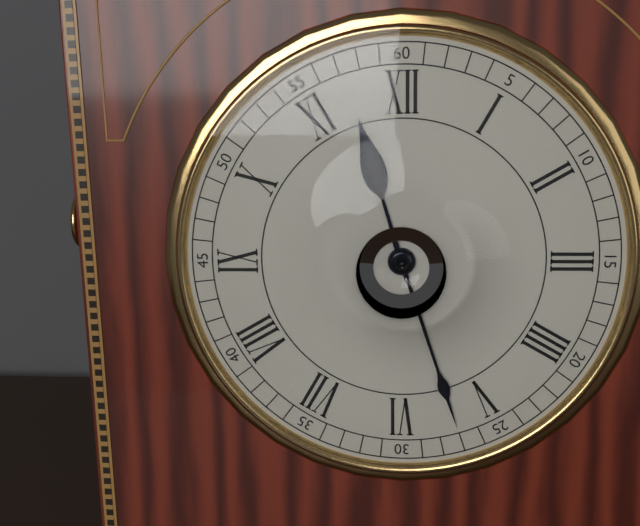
11:27
